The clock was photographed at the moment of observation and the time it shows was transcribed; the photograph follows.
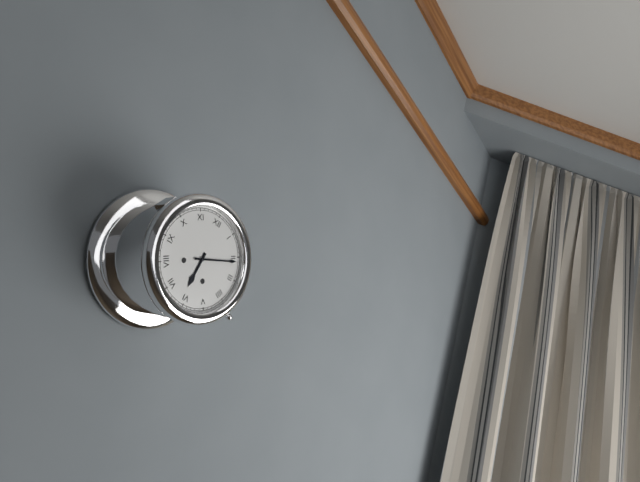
6:11
